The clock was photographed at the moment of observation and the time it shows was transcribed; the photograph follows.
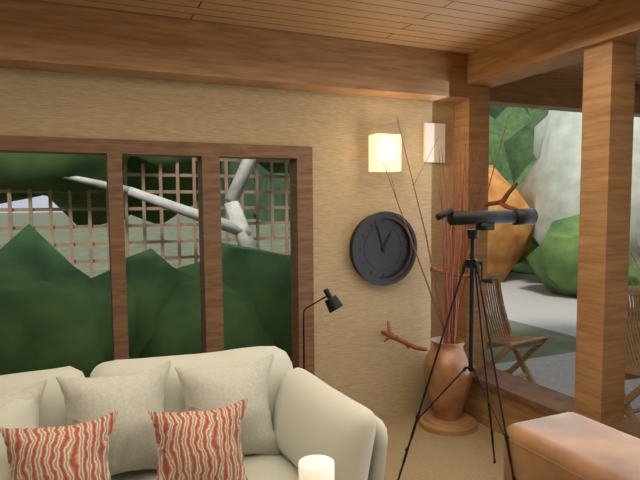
12:57
